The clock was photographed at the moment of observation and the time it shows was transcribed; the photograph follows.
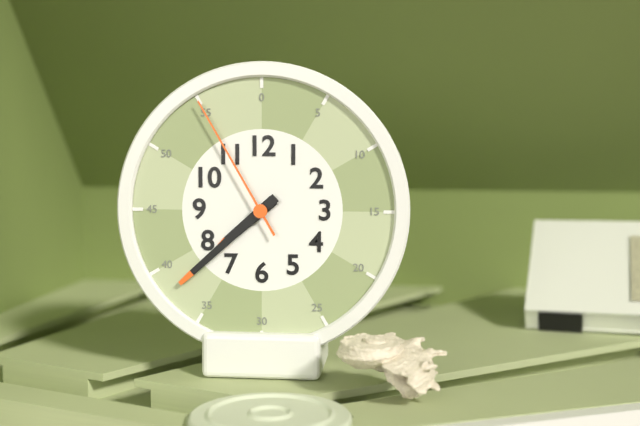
7:38:55
